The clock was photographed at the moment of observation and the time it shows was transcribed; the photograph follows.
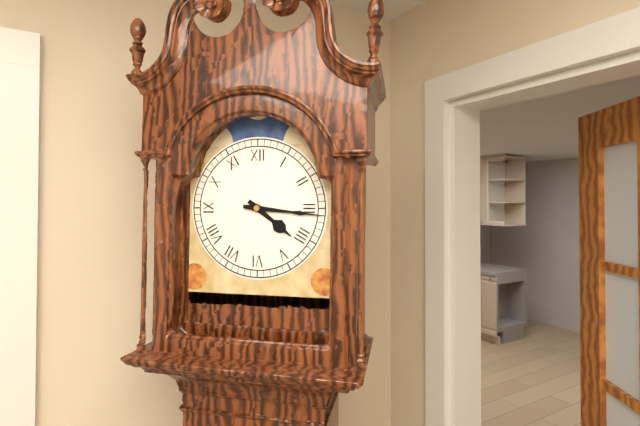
4:16
